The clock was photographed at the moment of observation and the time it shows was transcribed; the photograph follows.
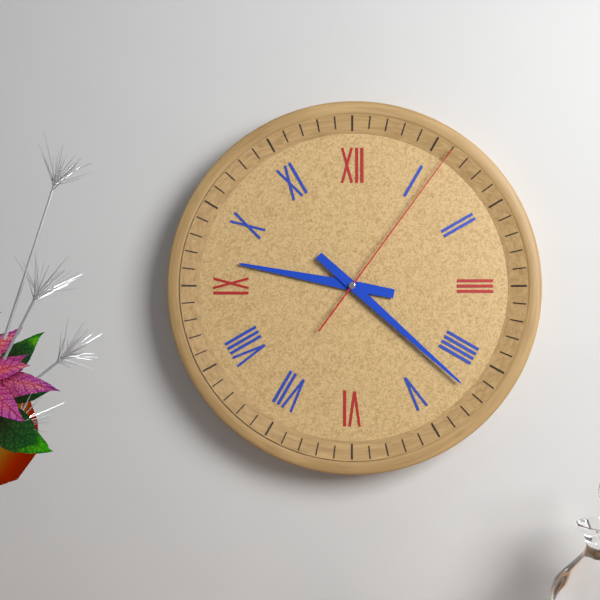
9:22:06
